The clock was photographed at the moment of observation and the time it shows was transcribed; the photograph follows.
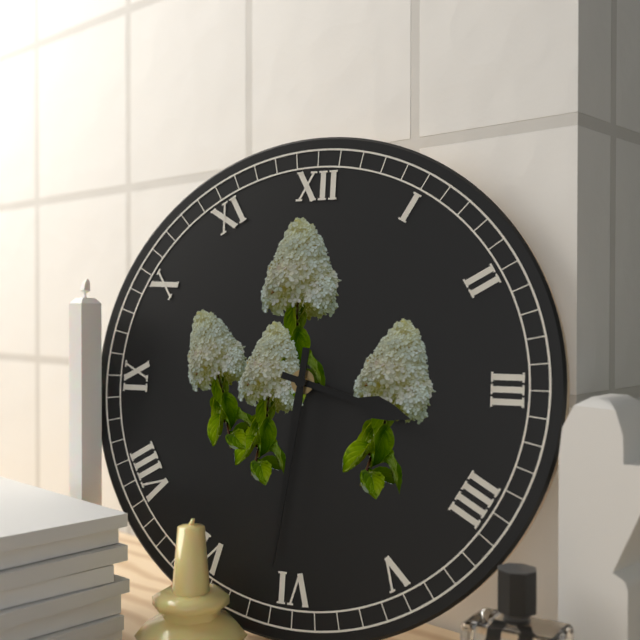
3:31
